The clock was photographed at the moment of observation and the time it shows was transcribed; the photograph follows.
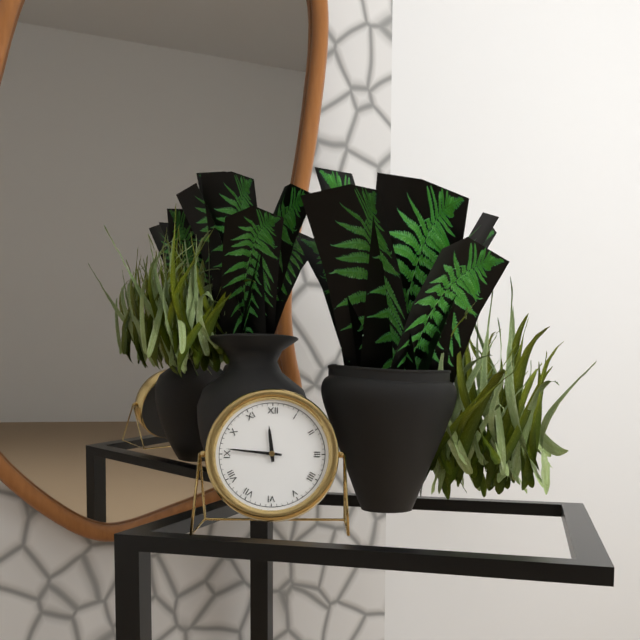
11:46
